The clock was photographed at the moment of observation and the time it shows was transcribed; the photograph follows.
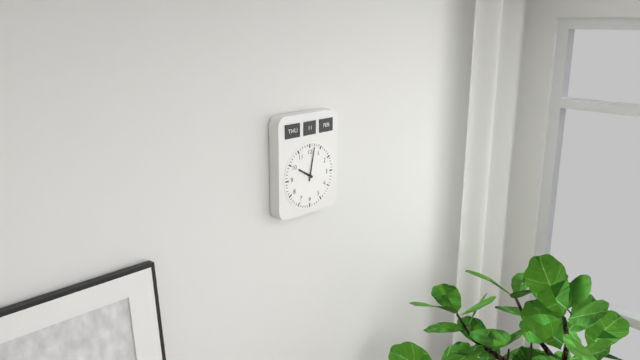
10:02
